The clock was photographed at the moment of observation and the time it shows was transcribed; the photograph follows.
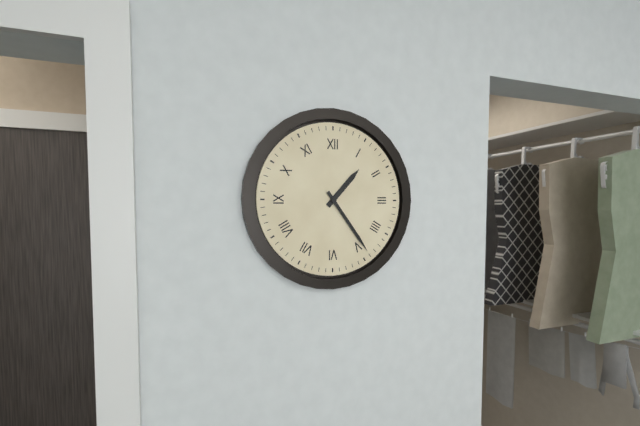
1:24
